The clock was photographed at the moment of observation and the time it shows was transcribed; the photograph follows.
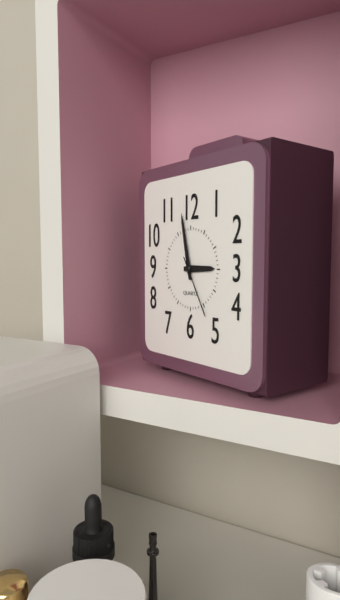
2:58:25
